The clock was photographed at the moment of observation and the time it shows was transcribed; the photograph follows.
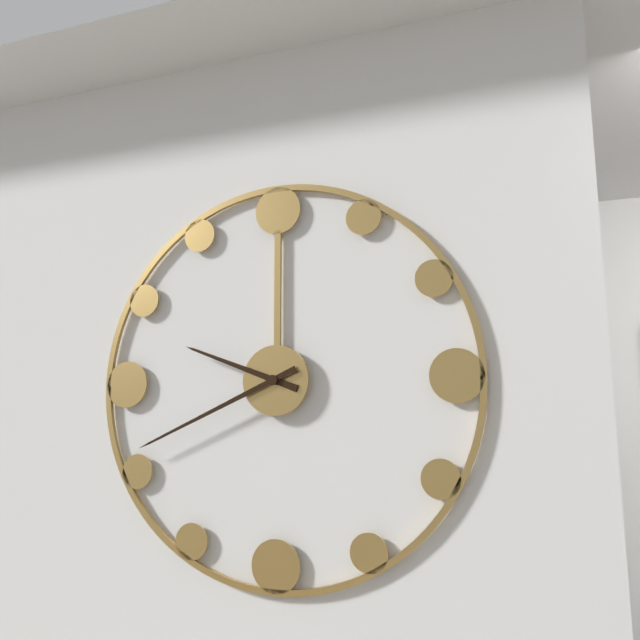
9:41
